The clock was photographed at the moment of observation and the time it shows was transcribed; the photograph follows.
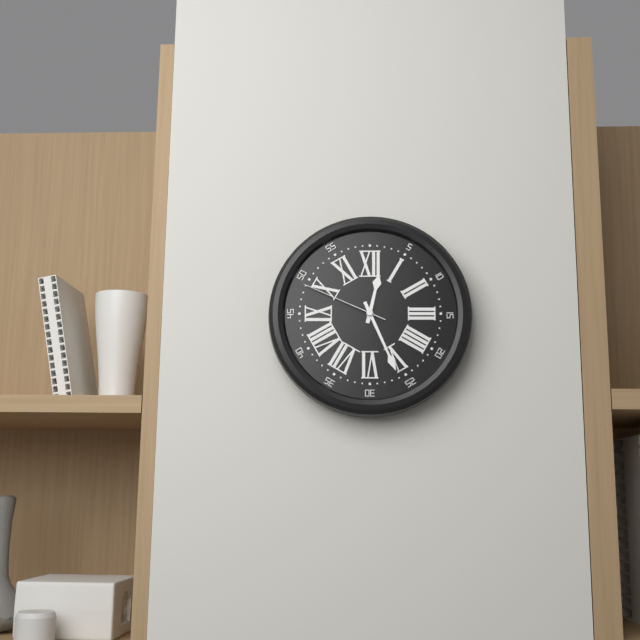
12:26:49
